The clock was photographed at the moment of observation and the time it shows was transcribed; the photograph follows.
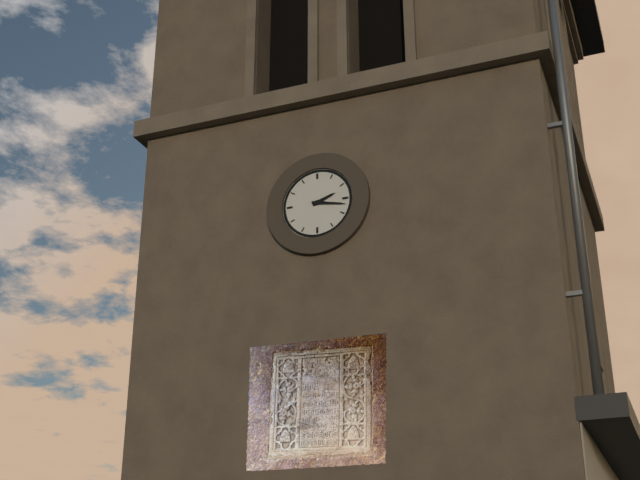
2:17
